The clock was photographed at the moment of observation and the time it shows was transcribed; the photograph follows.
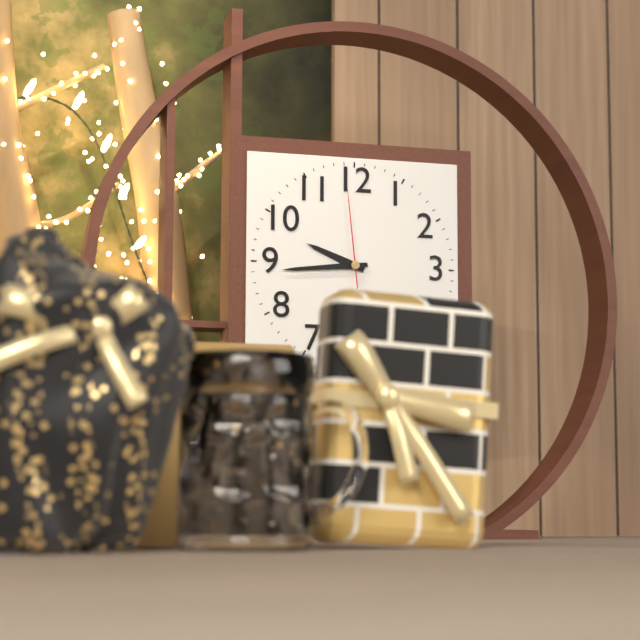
9:44:59
